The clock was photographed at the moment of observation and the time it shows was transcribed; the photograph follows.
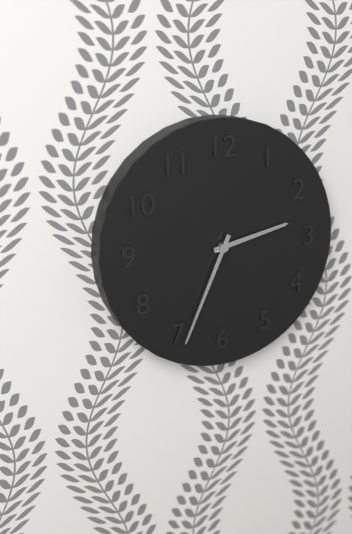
2:34
